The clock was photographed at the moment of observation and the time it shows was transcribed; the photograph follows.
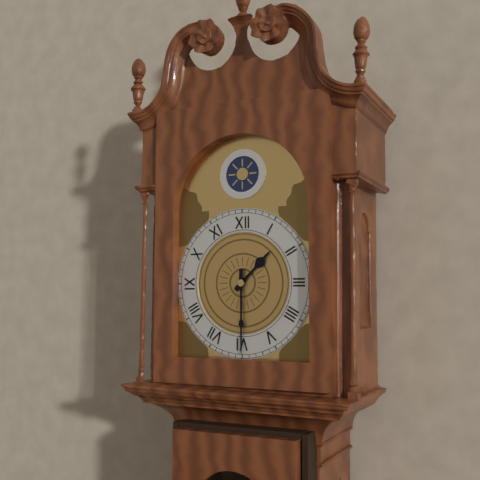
1:30
